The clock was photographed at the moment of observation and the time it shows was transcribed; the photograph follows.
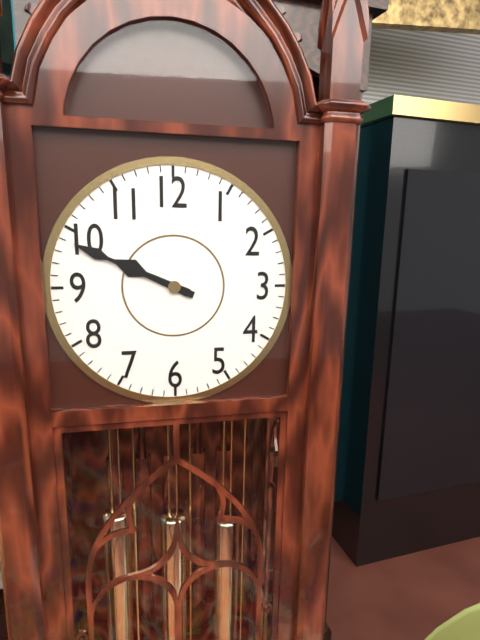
9:49
